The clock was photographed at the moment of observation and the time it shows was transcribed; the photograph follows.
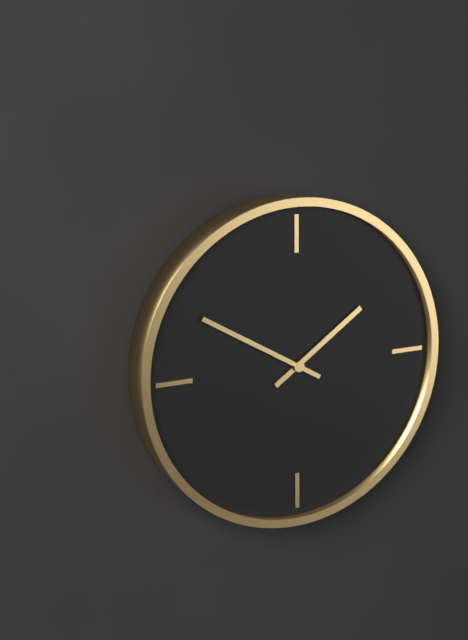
1:50
